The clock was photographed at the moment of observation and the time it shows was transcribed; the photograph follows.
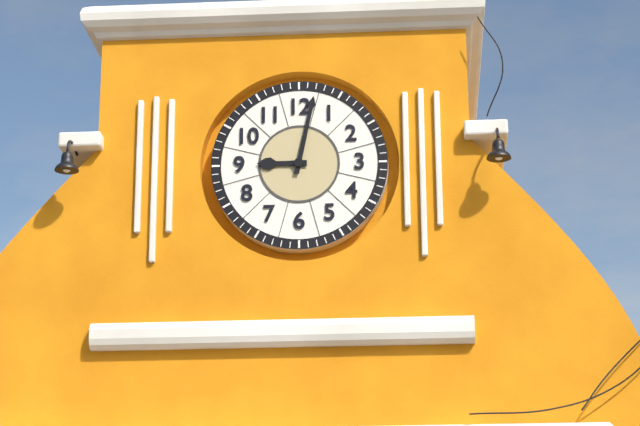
9:02
